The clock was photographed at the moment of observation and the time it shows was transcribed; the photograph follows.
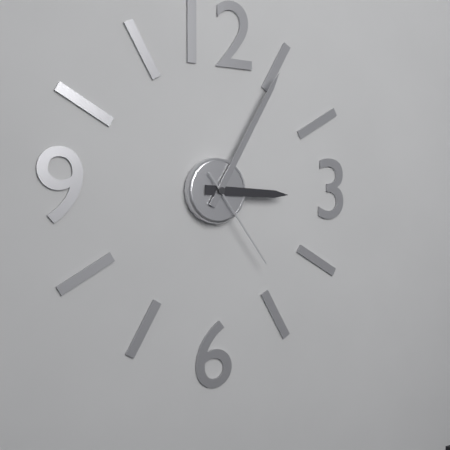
3:05:24
